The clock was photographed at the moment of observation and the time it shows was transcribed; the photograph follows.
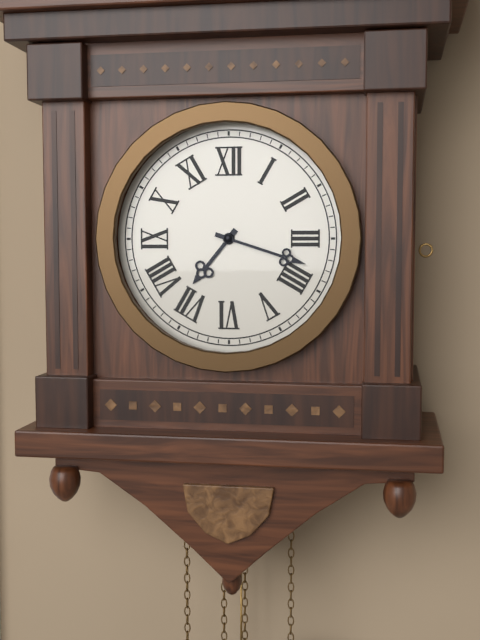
7:18
